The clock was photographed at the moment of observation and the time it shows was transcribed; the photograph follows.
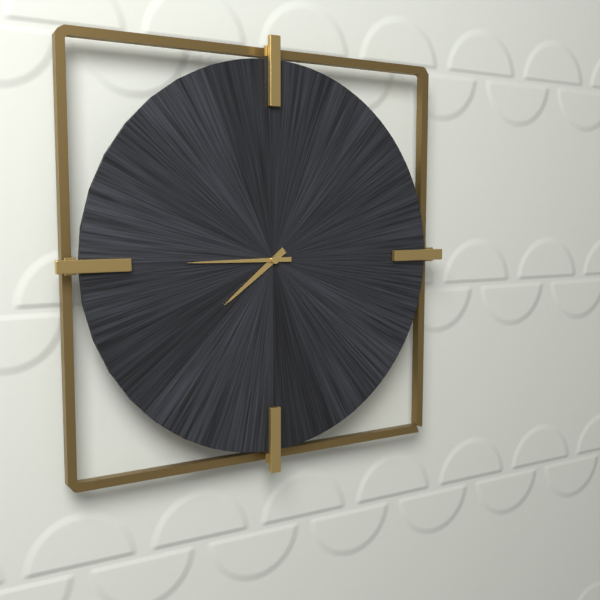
7:45
